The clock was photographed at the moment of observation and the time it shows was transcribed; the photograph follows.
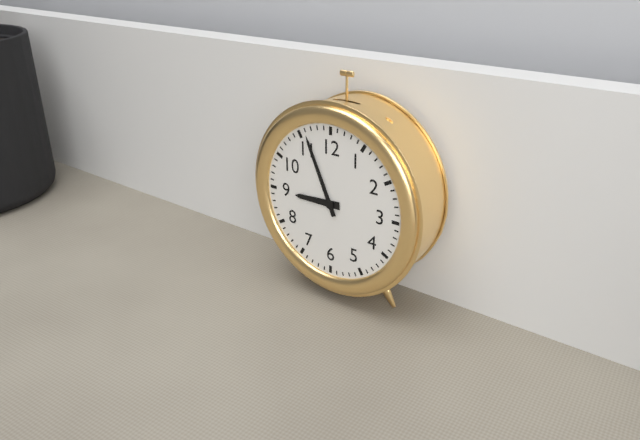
8:56
